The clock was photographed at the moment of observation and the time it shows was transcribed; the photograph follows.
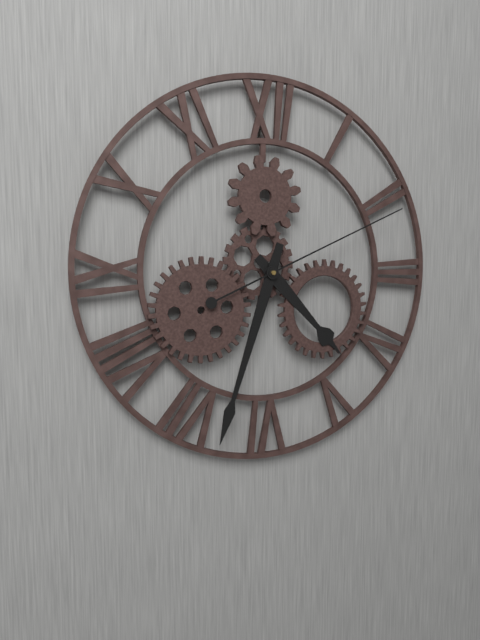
4:33:11
